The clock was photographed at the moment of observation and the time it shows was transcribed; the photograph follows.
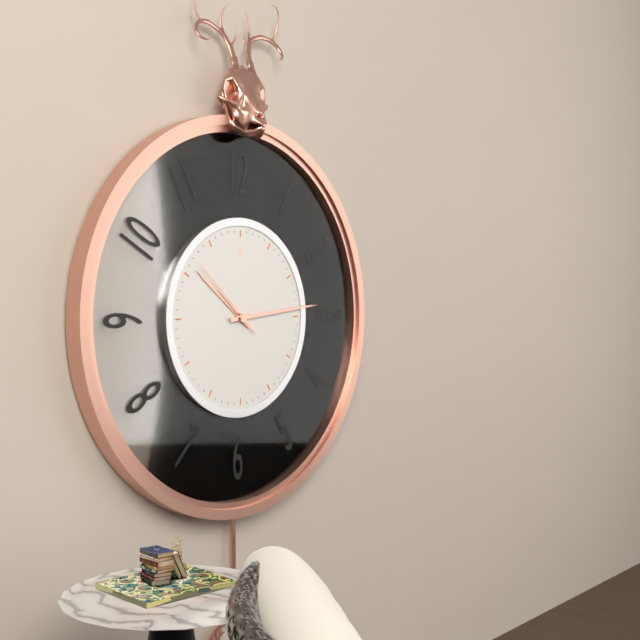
10:14:52
